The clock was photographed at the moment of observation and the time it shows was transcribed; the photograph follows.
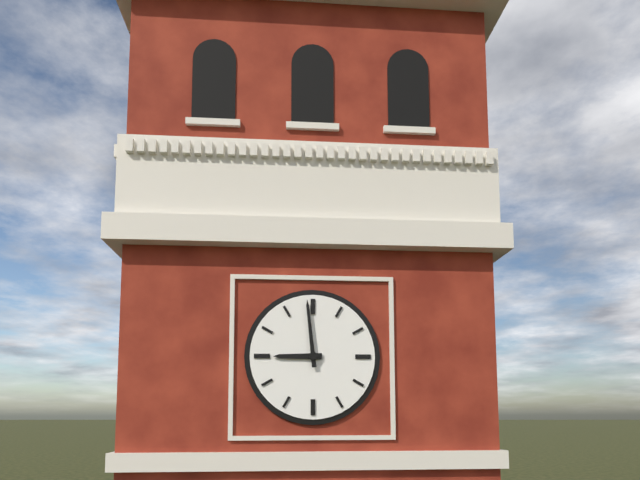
8:59
